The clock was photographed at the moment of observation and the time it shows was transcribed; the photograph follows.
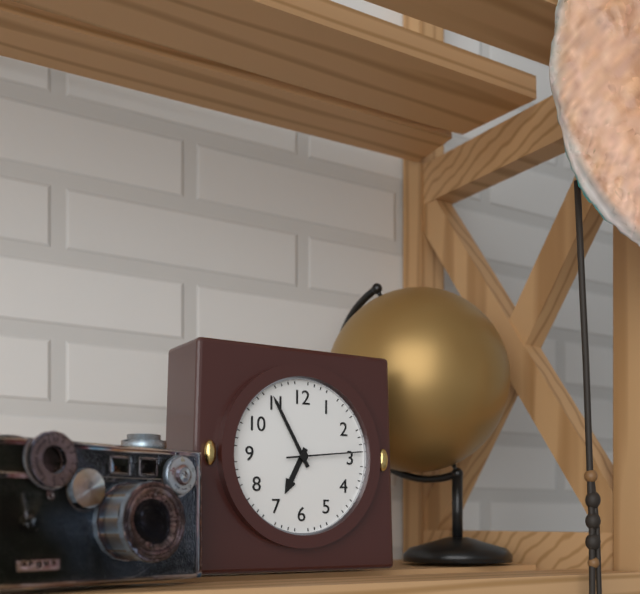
6:55:14
